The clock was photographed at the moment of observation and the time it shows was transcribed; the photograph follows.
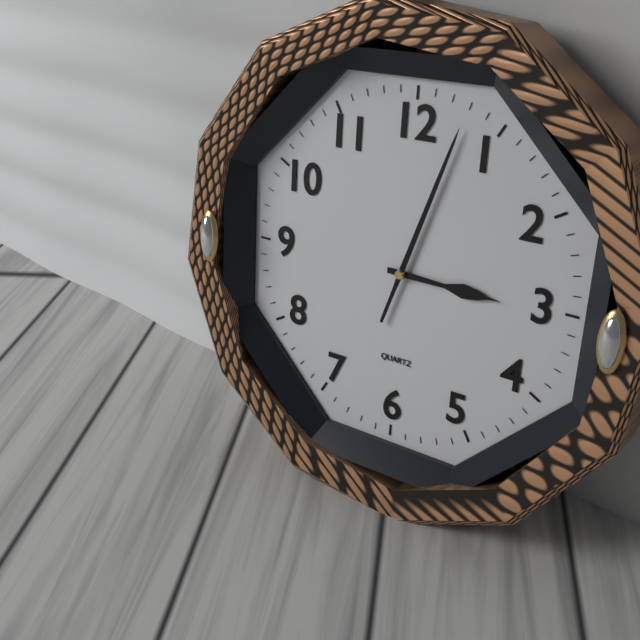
3:03
